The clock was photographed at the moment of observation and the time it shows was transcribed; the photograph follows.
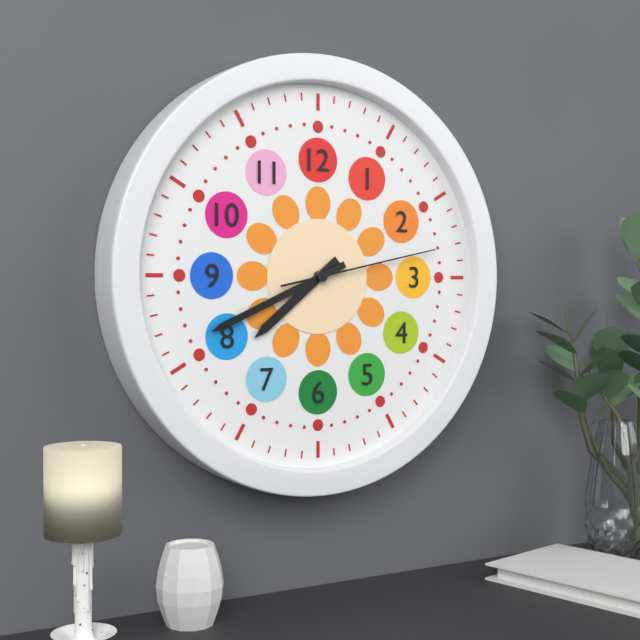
7:41:13
